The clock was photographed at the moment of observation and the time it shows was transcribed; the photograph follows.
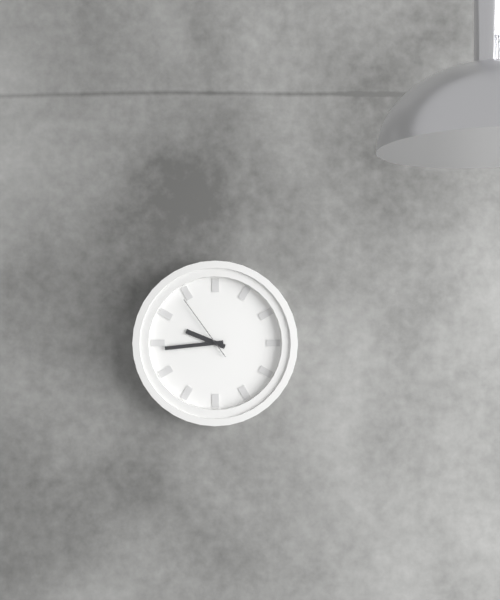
9:44:54
